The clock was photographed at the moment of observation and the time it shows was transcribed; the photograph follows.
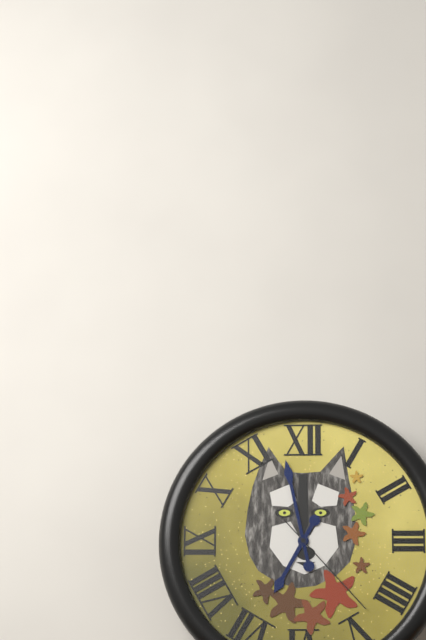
6:58:23
